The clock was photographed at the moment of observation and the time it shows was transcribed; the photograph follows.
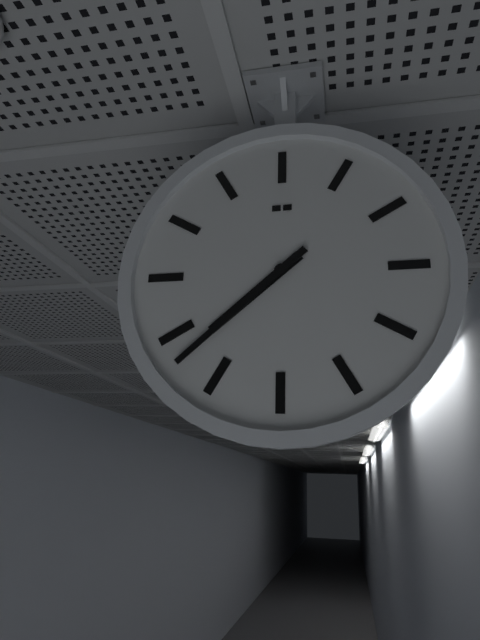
7:38
